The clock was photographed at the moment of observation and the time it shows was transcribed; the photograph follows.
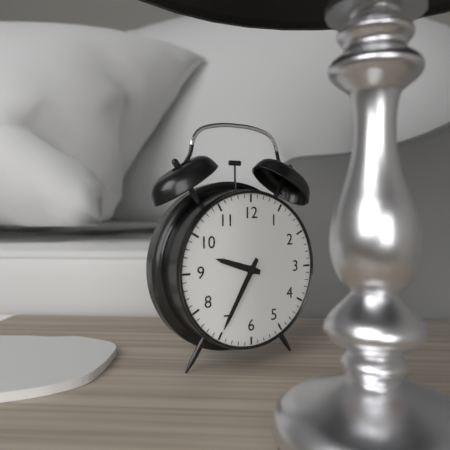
9:35
